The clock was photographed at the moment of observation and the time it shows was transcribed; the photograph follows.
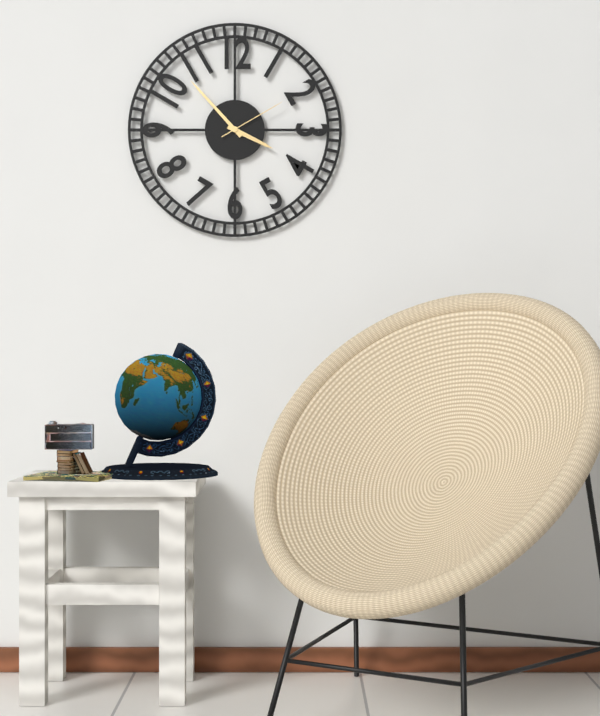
3:53:10
